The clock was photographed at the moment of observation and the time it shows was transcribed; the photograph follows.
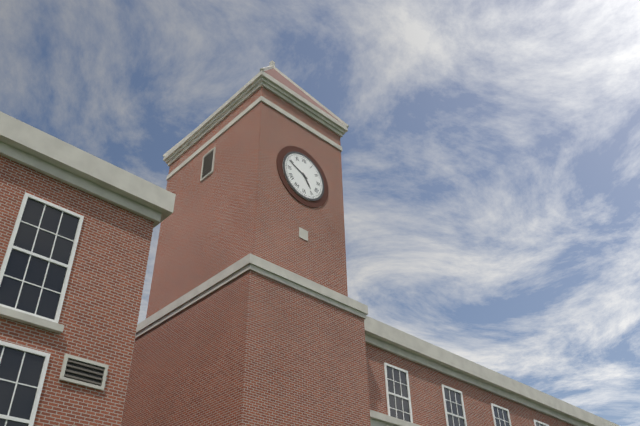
4:49
